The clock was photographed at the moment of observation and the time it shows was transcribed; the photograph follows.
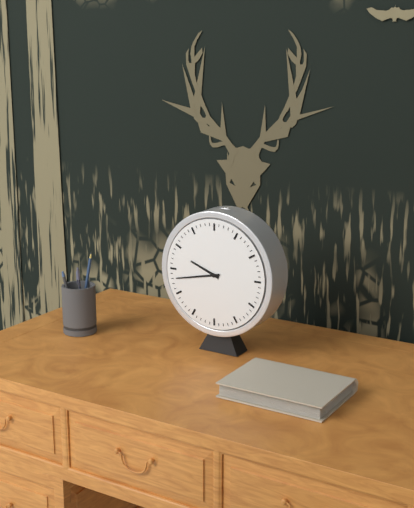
9:43
